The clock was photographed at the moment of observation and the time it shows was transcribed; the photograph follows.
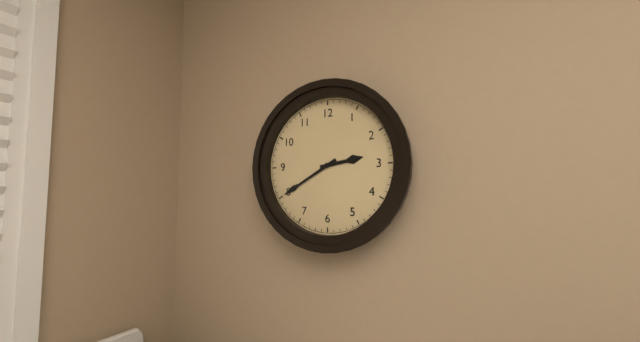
2:40
